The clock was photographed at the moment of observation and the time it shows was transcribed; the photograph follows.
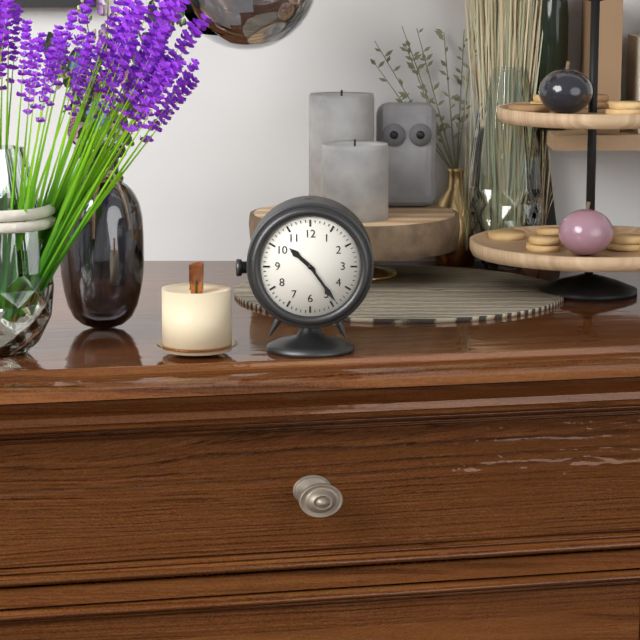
10:24
